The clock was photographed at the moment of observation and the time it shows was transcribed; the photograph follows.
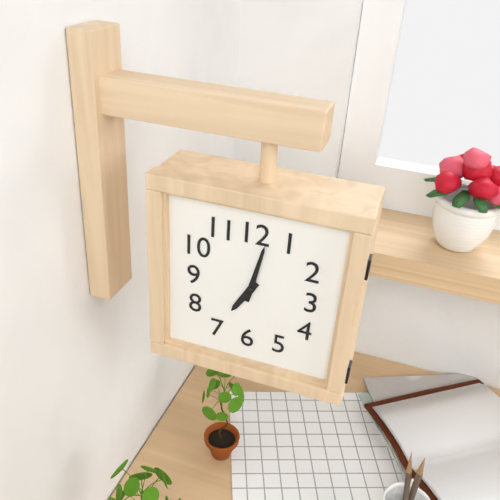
7:02
